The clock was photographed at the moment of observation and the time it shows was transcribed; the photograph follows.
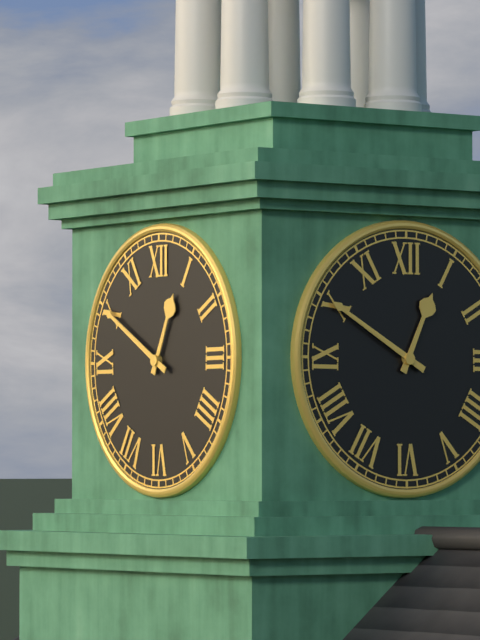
12:50
